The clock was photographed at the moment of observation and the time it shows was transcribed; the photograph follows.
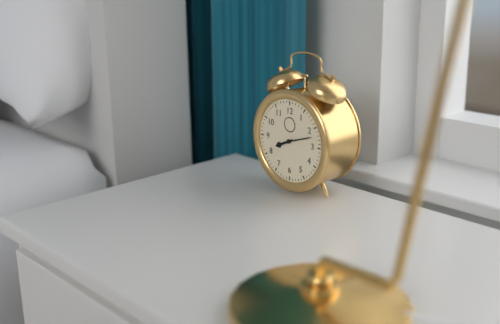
8:12
